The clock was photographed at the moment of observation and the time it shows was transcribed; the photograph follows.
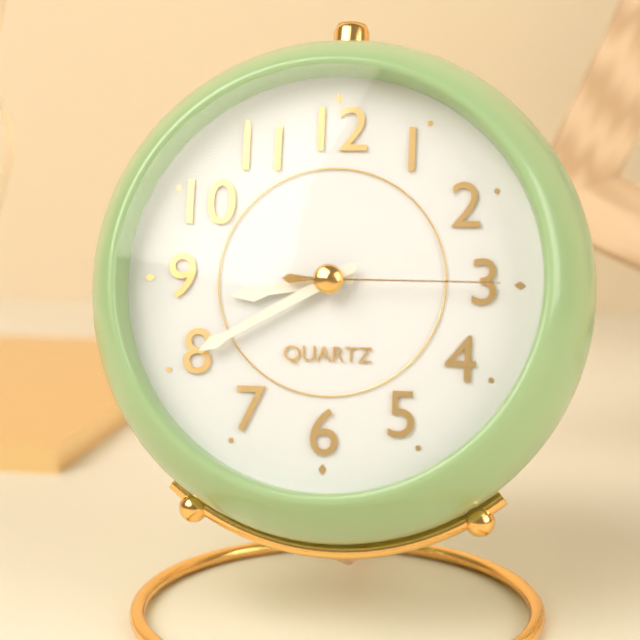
8:40:15
